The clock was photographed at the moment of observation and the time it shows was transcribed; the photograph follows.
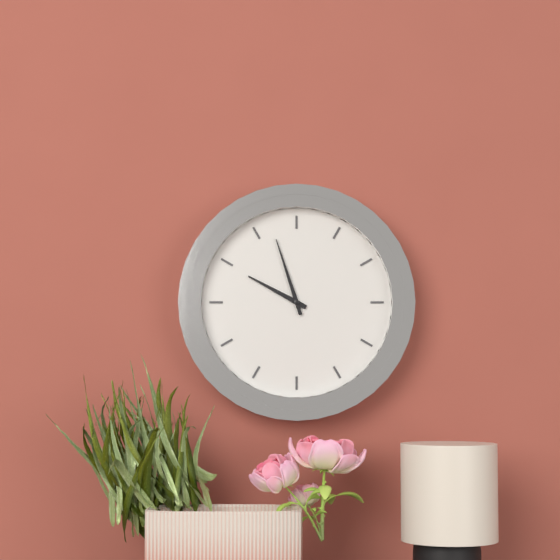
9:57
